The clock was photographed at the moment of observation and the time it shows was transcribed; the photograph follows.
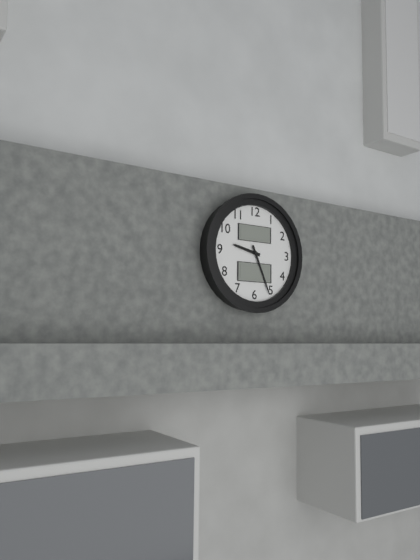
9:26
